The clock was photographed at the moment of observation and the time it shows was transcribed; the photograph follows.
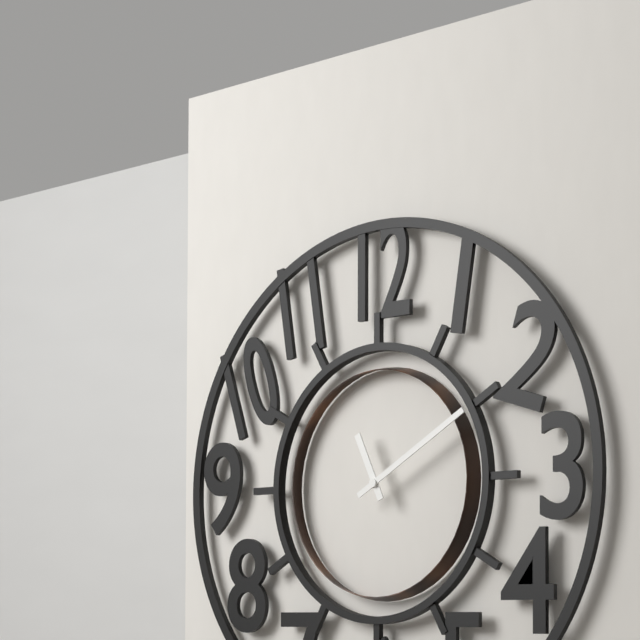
11:10
